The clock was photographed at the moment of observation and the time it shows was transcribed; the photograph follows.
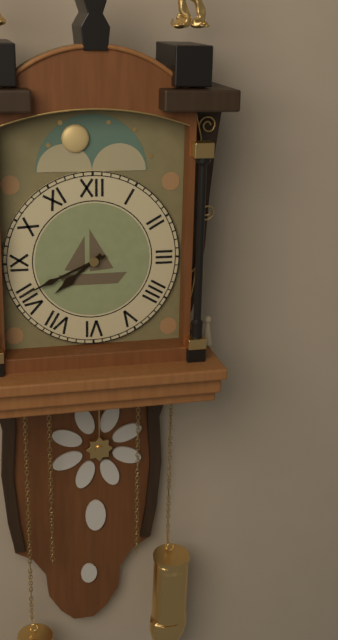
7:41
